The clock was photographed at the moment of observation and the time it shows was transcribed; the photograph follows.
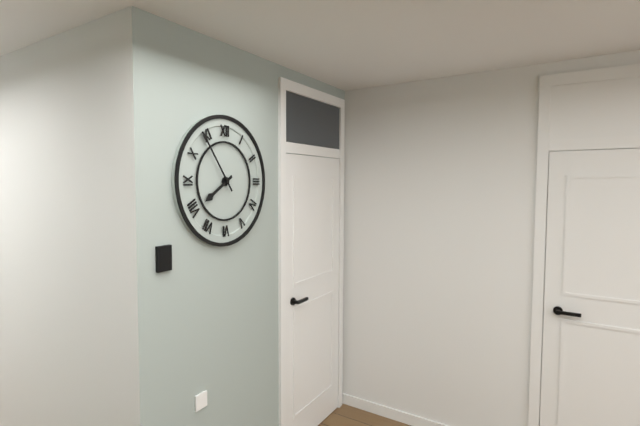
7:54
